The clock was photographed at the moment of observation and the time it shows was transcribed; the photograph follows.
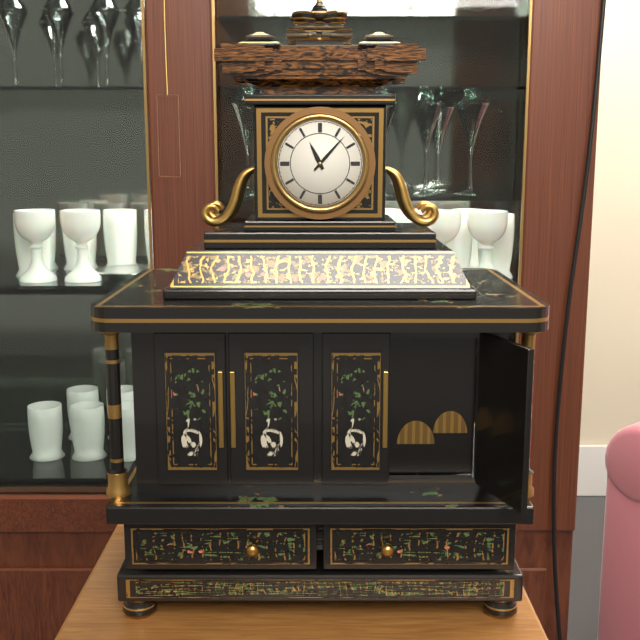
11:07
